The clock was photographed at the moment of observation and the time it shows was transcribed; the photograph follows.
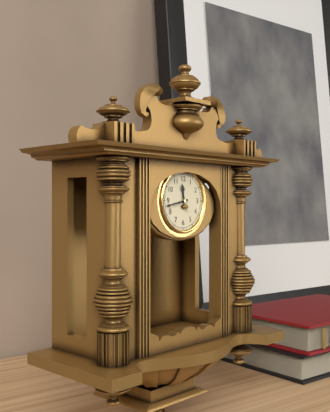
11:43
